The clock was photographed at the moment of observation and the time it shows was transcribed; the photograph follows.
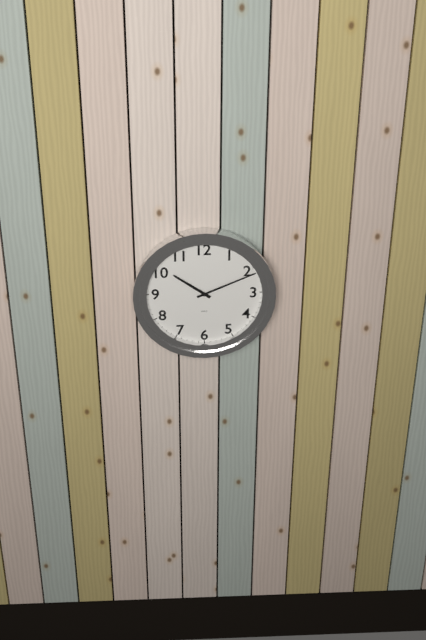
10:11
